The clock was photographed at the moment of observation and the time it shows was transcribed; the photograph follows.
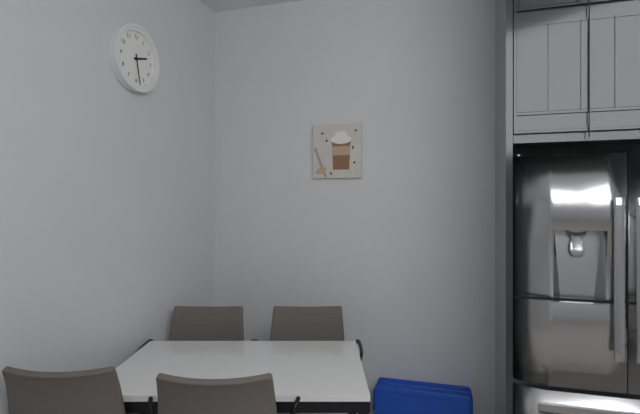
2:28
